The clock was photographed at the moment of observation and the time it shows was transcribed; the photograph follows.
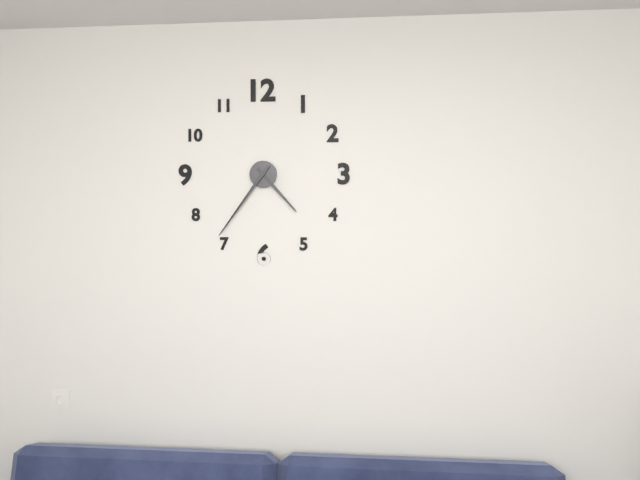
4:36
